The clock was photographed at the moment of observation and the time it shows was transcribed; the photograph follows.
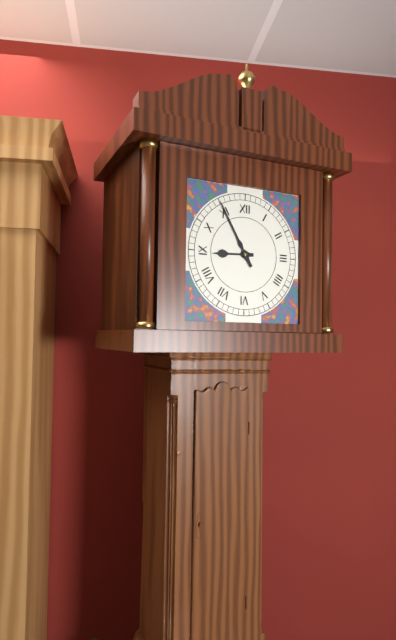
8:55
